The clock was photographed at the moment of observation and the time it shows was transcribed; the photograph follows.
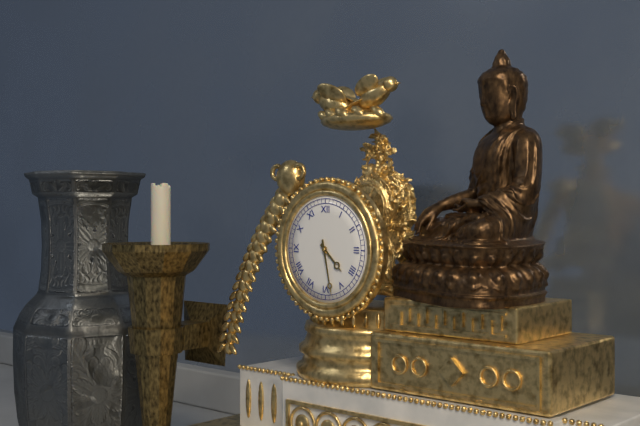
4:28
